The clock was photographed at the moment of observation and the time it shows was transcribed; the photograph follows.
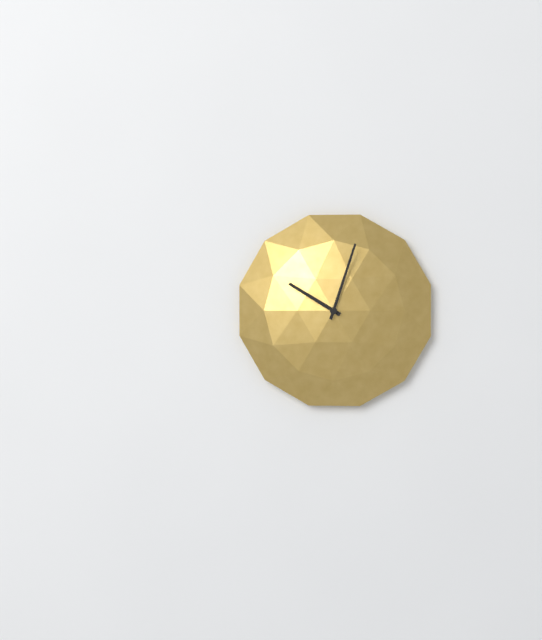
10:03
